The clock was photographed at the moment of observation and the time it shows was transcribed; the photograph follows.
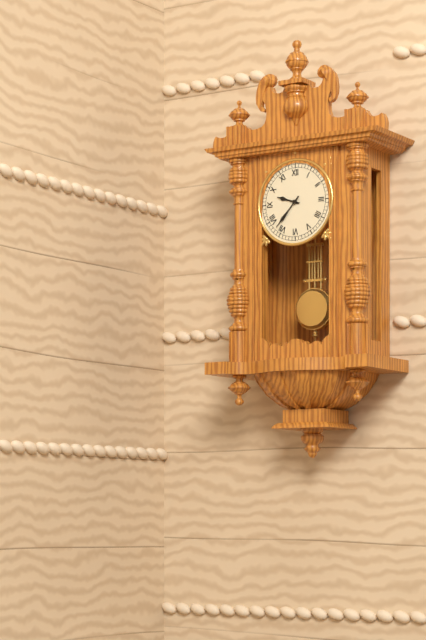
9:37
